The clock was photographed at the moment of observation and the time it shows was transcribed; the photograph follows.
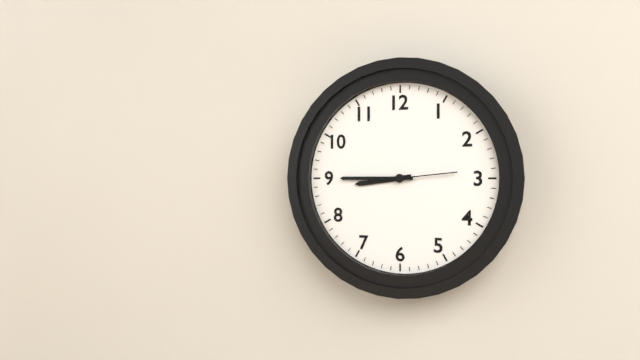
8:45:14
